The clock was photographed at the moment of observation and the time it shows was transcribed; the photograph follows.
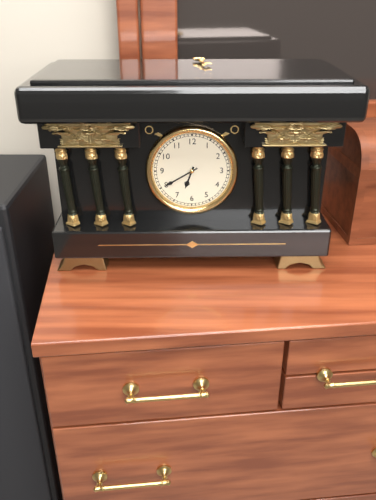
6:40
